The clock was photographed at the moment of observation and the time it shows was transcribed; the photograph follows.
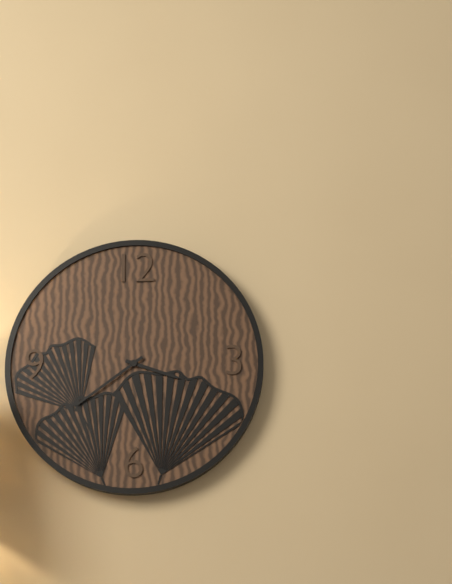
3:39
